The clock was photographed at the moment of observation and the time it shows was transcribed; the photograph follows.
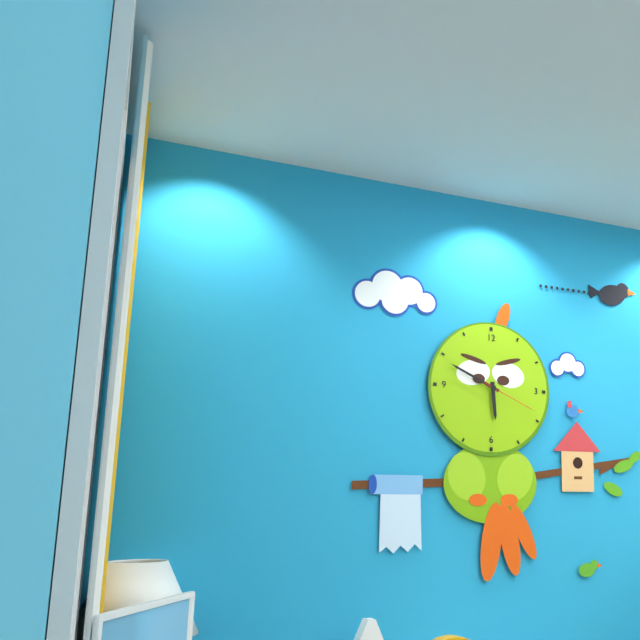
5:49:19
